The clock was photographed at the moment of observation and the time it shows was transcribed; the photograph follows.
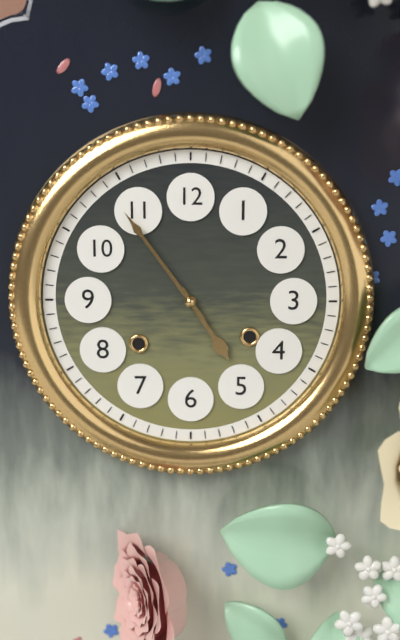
4:54
